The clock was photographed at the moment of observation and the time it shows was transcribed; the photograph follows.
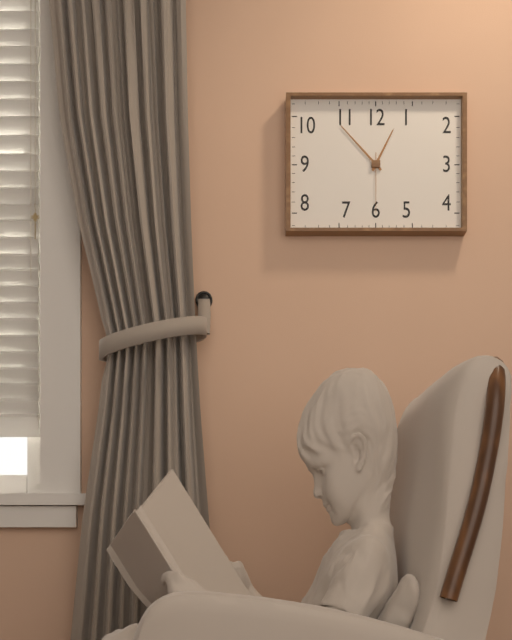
12:53:30
